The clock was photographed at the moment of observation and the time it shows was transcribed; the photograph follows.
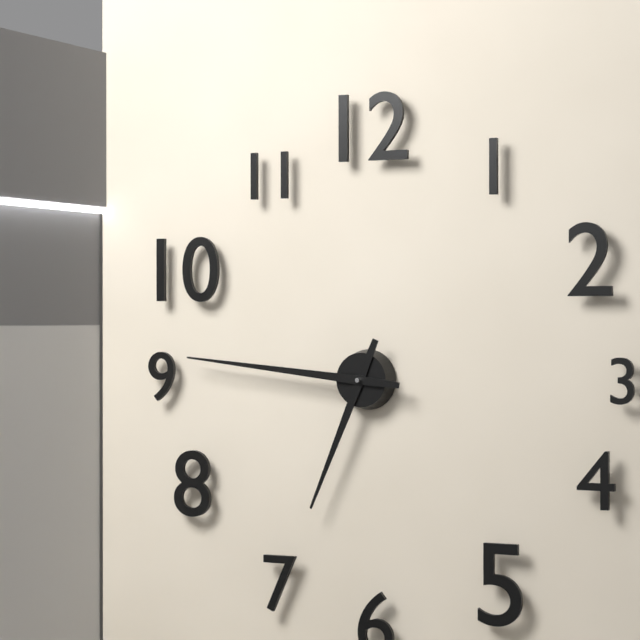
6:46
